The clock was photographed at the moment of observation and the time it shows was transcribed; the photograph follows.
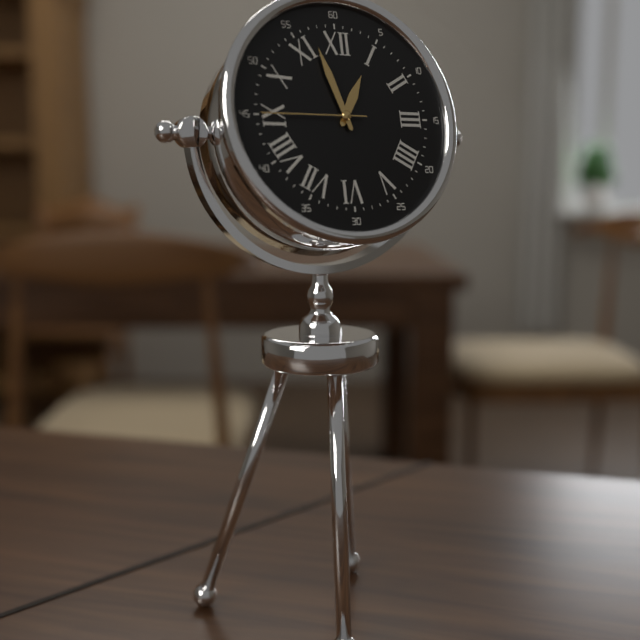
12:57:45
